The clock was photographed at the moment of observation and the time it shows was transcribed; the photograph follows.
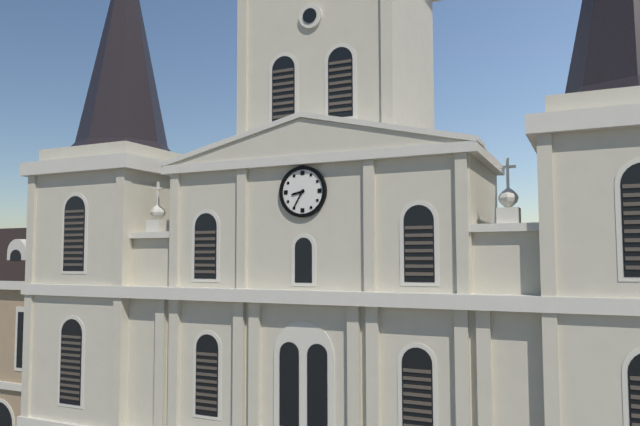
8:35
